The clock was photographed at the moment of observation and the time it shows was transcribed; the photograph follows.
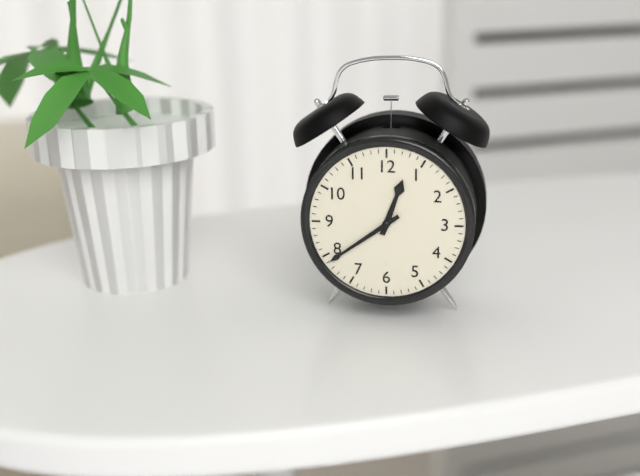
12:39
